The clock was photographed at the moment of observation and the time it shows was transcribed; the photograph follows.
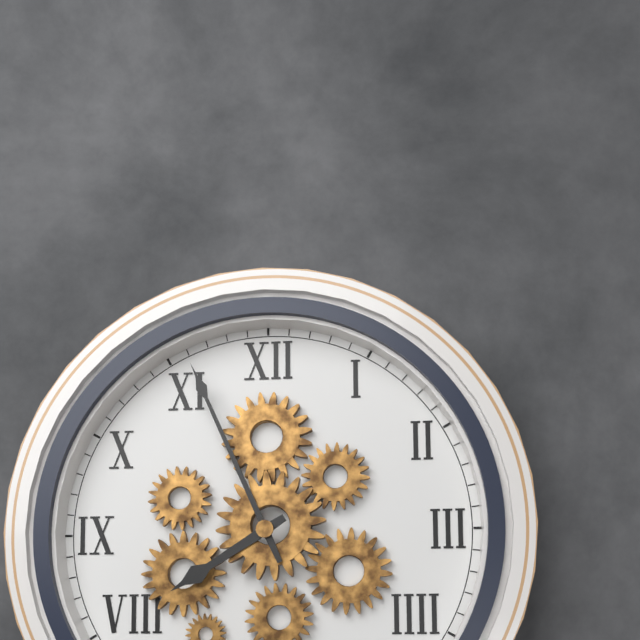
7:56
